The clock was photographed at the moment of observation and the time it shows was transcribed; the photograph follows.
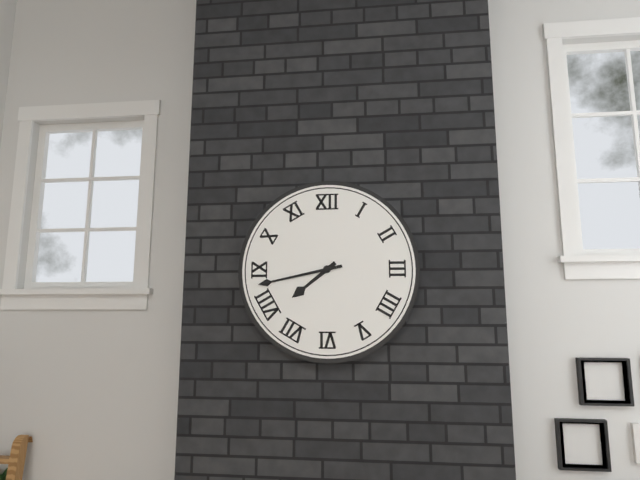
7:43
